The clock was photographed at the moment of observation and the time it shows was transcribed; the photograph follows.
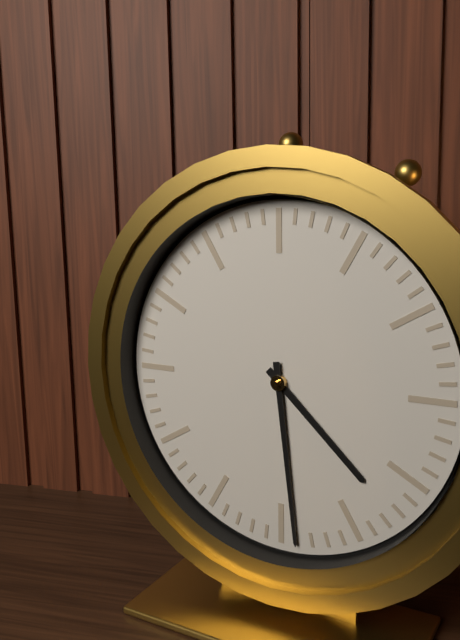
4:29
